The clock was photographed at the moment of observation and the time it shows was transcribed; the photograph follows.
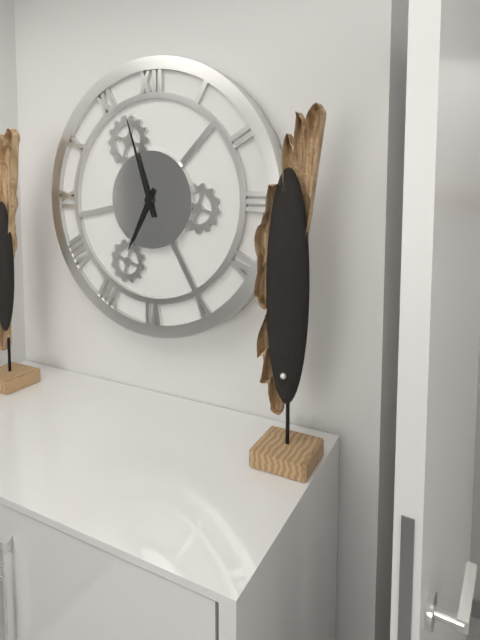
6:57
